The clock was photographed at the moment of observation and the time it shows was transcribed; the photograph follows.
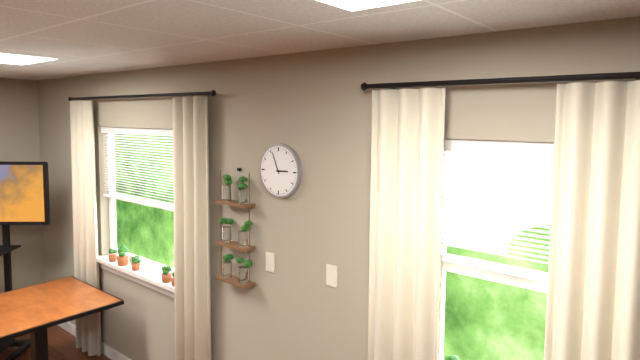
2:56
